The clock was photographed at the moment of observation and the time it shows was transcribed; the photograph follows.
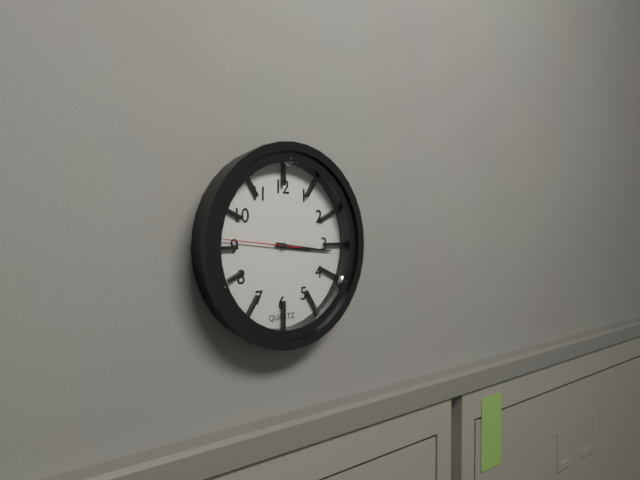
3:16:46
